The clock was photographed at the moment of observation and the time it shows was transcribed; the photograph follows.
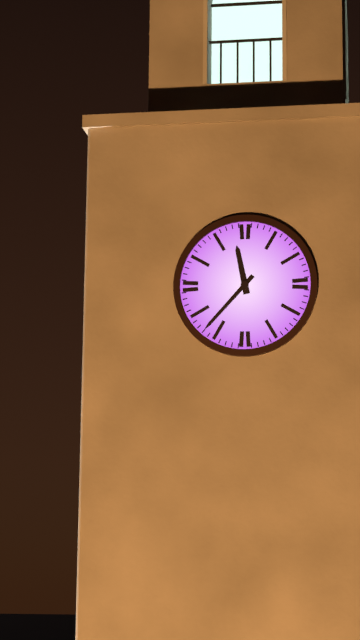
11:37
